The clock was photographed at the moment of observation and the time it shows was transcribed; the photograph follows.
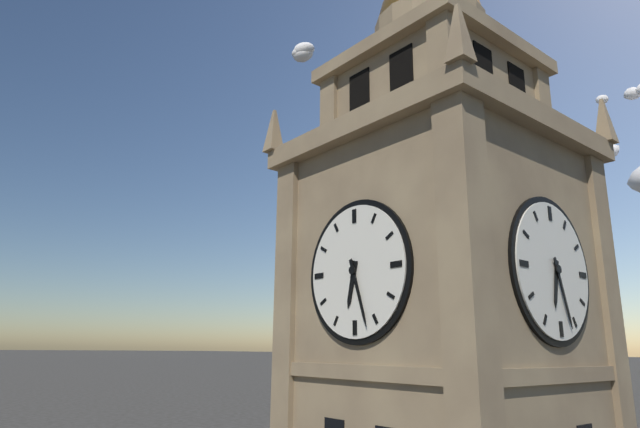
6:27
